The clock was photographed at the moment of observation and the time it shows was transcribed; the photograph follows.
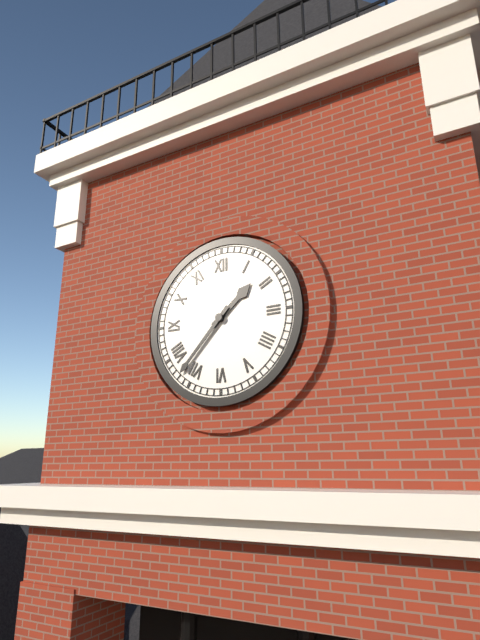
1:37
